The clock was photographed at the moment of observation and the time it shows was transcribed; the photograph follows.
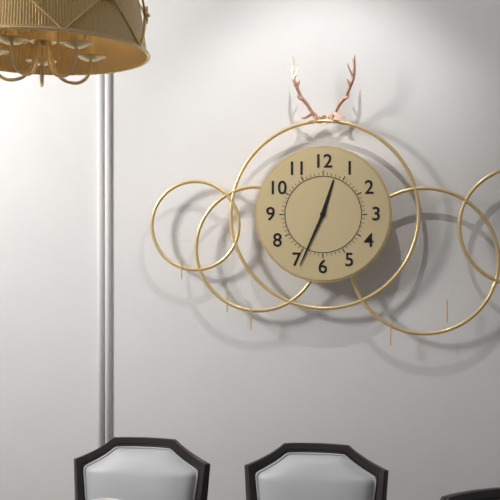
12:34
